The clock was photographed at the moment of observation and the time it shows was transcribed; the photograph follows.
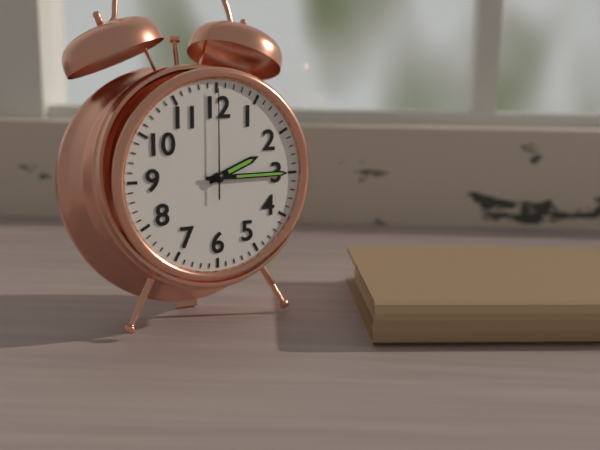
2:15:00
